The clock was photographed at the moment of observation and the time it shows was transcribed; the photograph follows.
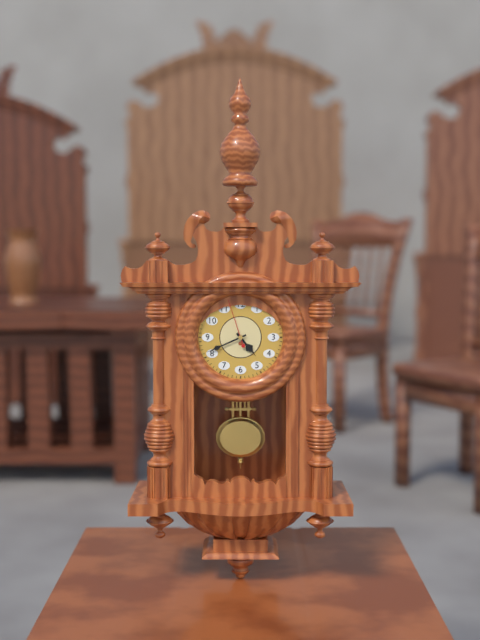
4:41
